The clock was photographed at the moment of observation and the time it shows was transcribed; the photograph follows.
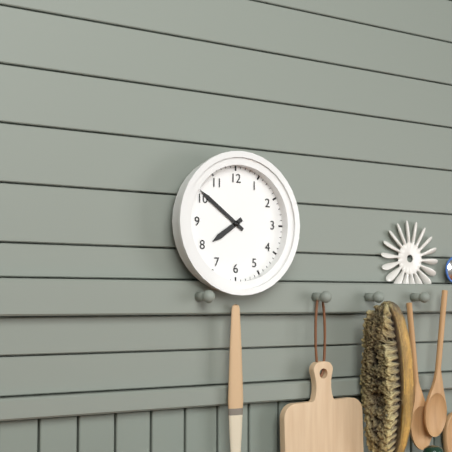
7:51
